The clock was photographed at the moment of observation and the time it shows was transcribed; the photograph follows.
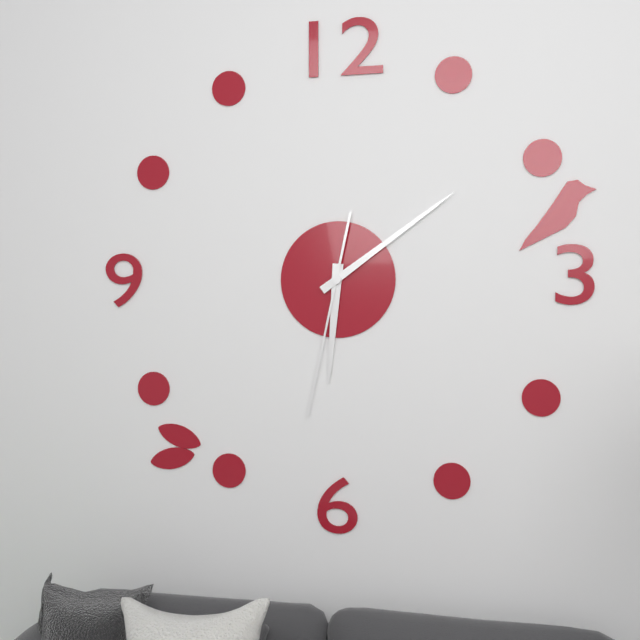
6:09:32
